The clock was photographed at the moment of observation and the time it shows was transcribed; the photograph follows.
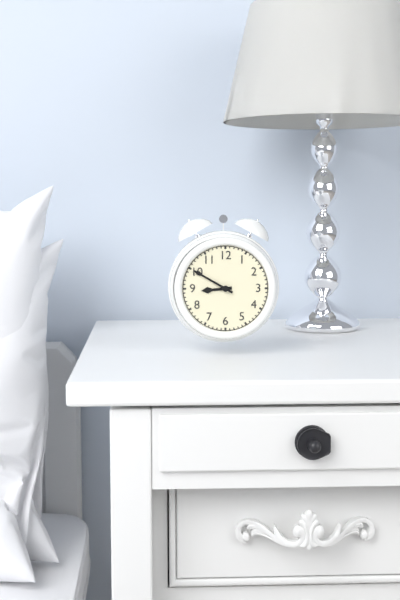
8:50
